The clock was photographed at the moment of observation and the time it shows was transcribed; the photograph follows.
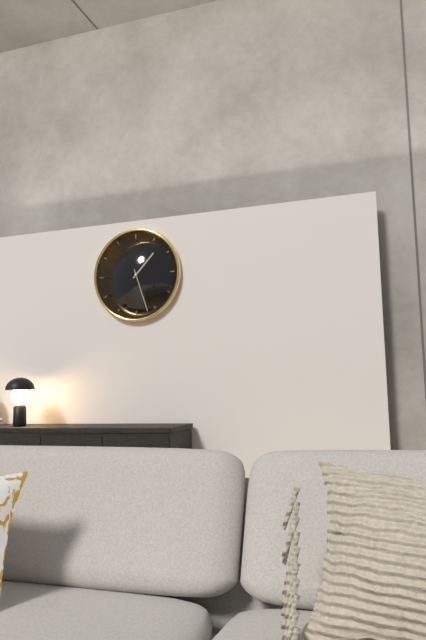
1:27
